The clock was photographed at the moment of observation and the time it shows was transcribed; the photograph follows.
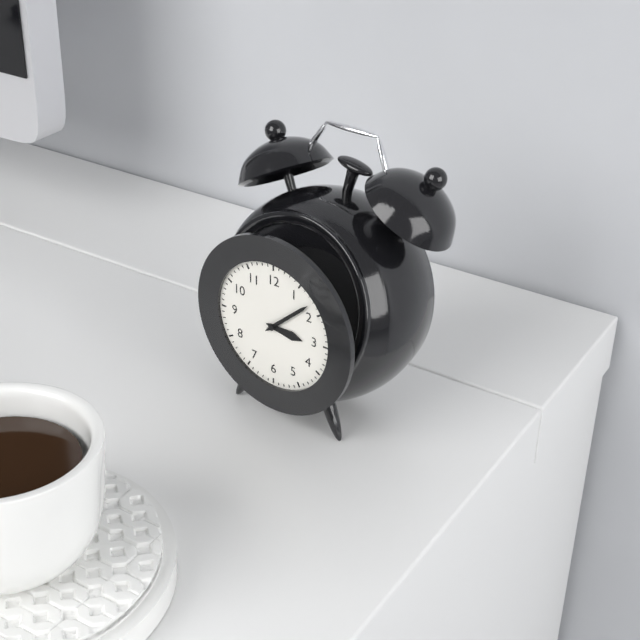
3:08
